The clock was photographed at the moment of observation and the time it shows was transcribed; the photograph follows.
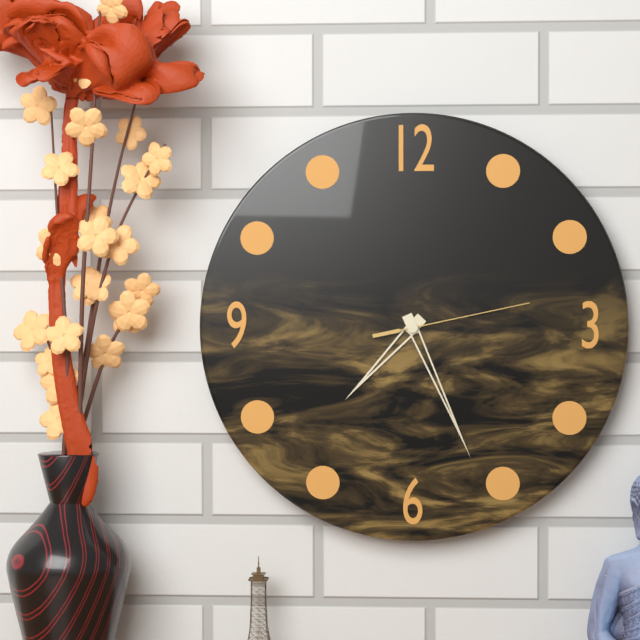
7:26:13
